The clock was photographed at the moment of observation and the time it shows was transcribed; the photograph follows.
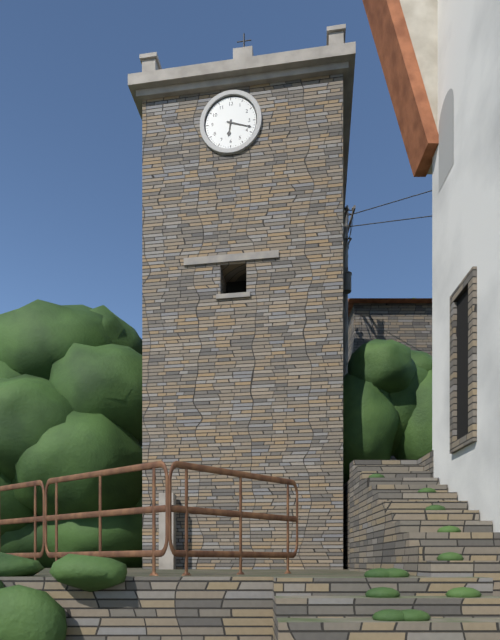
6:18
